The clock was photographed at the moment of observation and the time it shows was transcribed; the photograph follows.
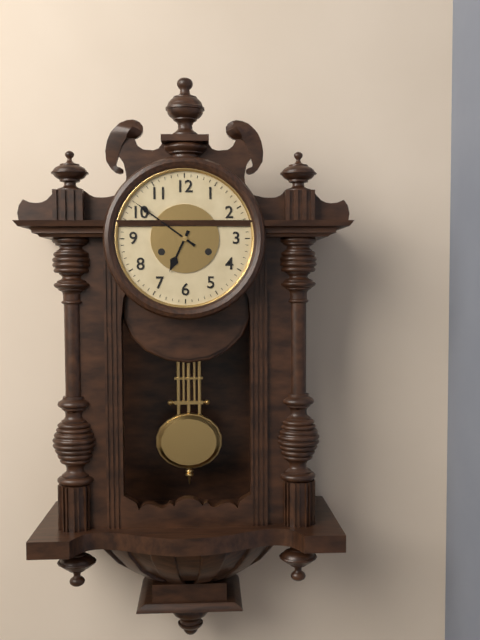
6:51
